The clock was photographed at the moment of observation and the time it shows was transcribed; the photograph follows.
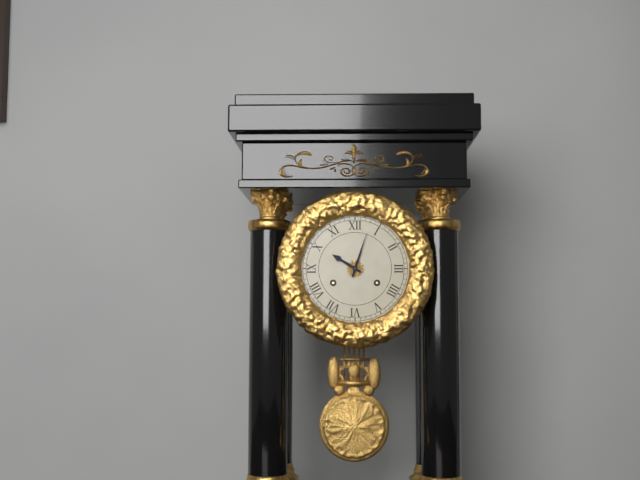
10:03
